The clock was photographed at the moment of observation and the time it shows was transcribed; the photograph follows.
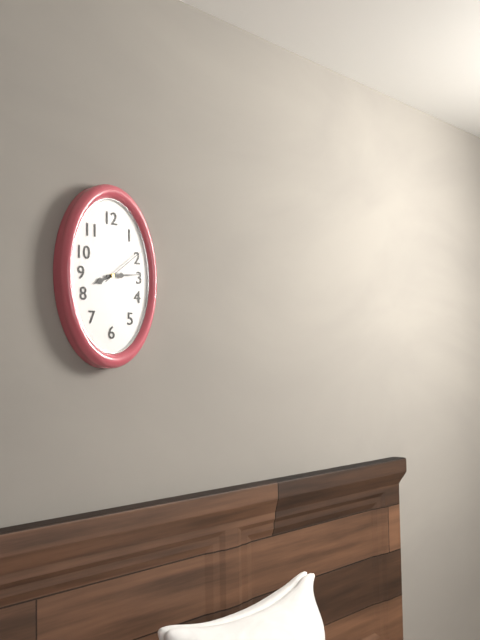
8:14
